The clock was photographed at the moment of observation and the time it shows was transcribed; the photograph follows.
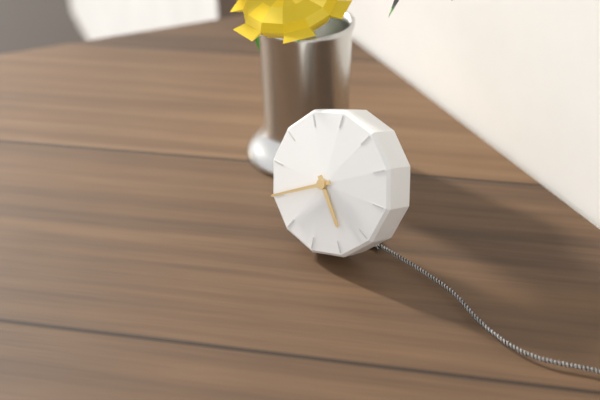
4:40
